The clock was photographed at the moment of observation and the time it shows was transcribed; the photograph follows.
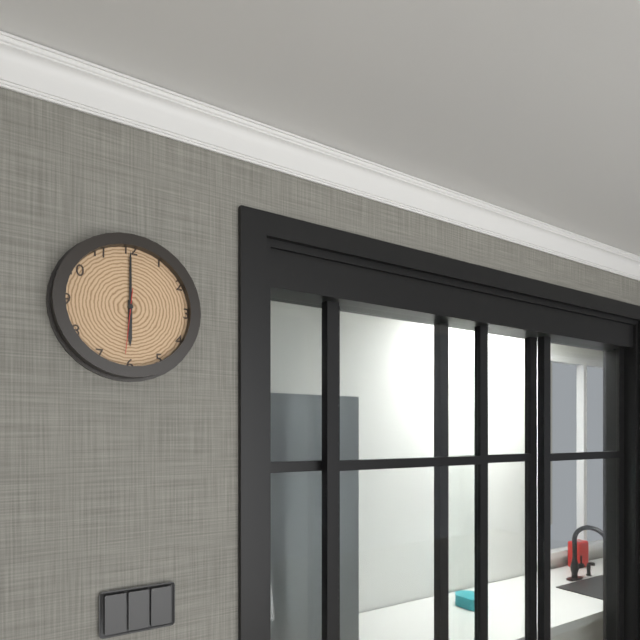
6:00:31
